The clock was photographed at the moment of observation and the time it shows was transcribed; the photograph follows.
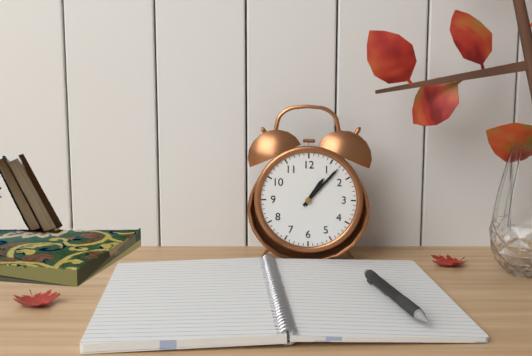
1:07
